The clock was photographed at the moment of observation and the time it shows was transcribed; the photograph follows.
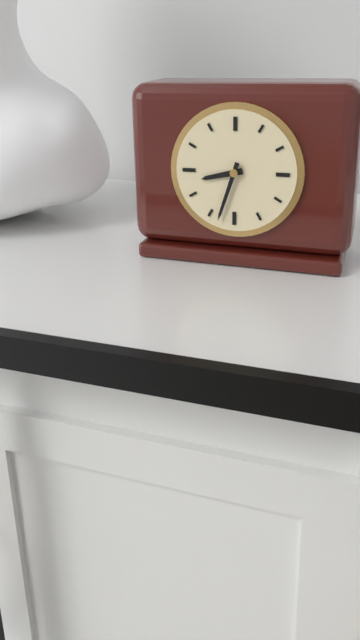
8:33
